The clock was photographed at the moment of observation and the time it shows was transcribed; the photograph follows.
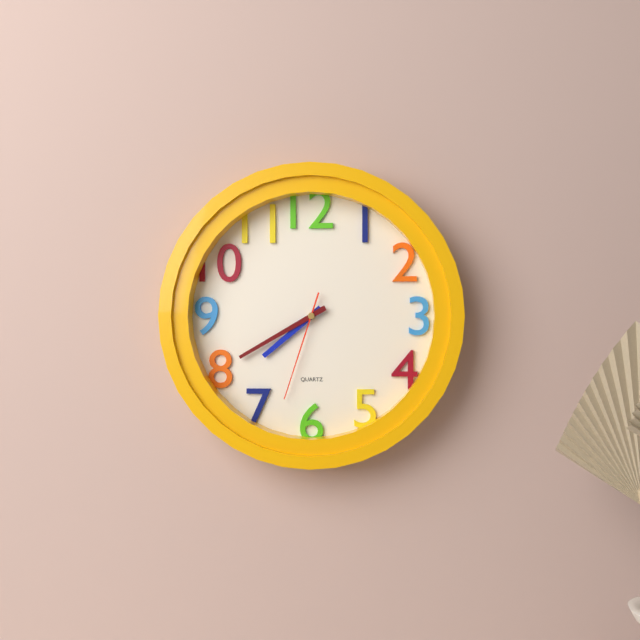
7:40:33
